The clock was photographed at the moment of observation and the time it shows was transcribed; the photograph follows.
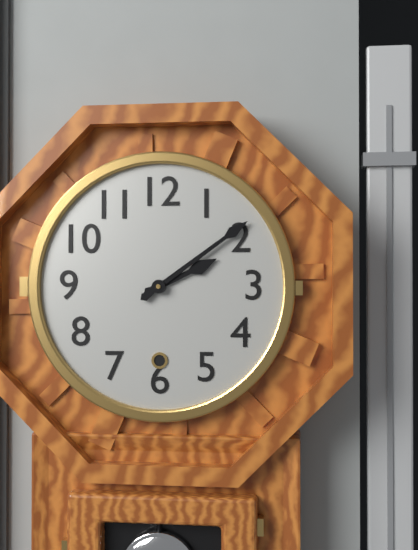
2:09
